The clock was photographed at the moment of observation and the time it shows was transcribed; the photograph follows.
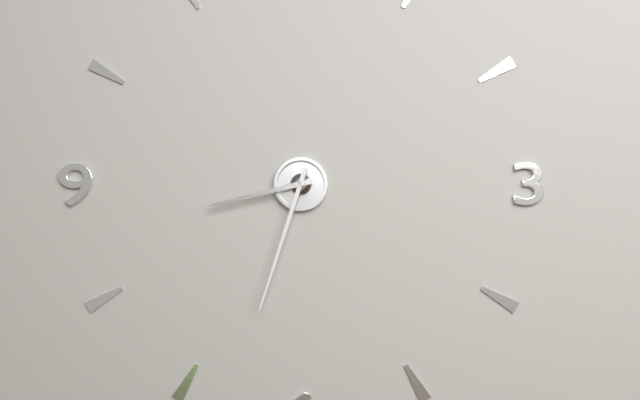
8:33
